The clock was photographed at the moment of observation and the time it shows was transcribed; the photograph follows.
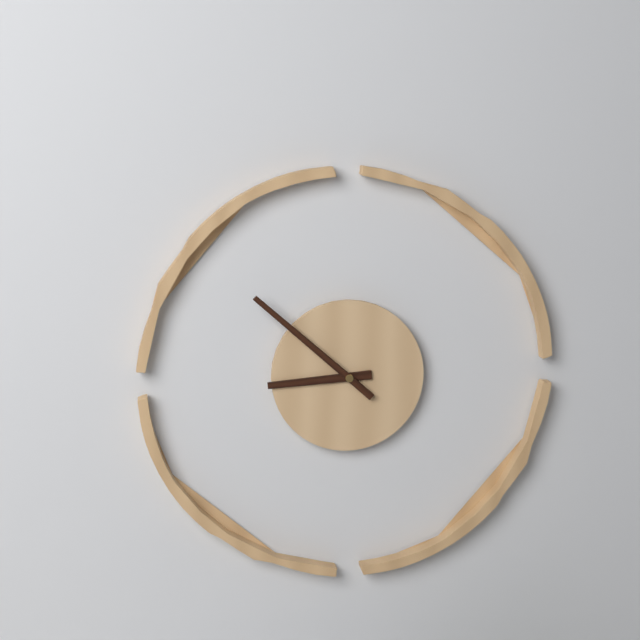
8:52
